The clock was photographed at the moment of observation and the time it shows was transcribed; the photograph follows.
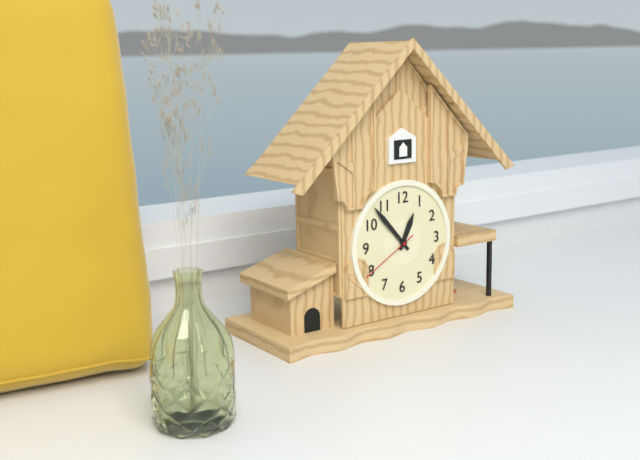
12:53:40
